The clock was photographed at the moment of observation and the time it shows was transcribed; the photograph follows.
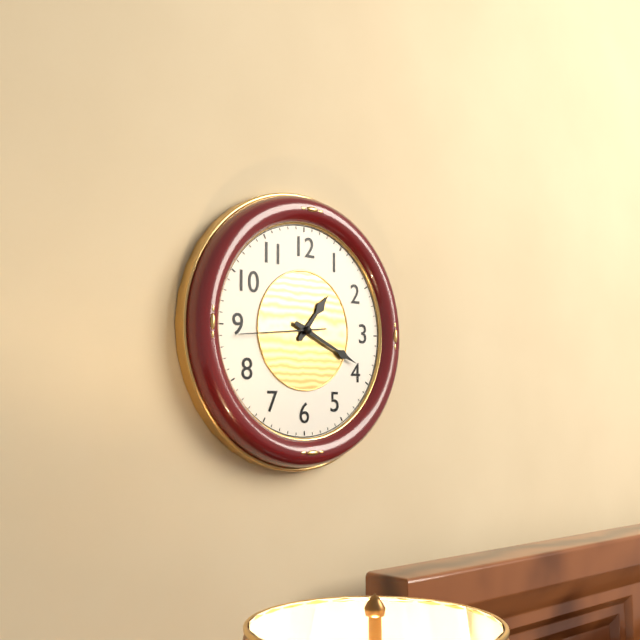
1:19:44
